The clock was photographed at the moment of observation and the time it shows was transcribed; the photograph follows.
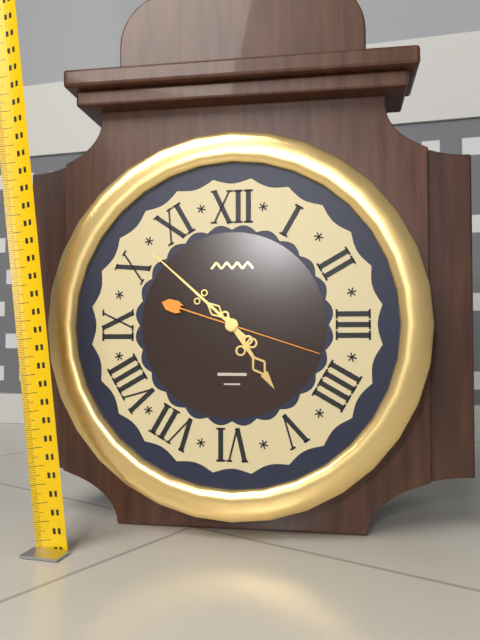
4:52:18
